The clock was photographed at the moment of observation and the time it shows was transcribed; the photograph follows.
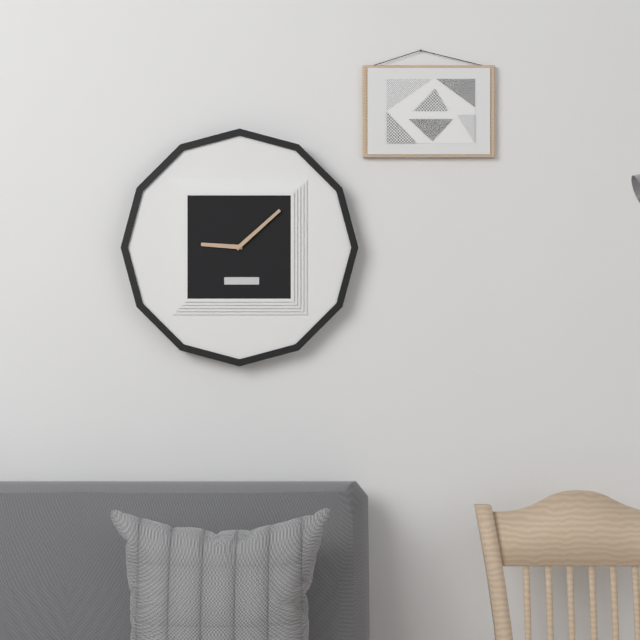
9:08
